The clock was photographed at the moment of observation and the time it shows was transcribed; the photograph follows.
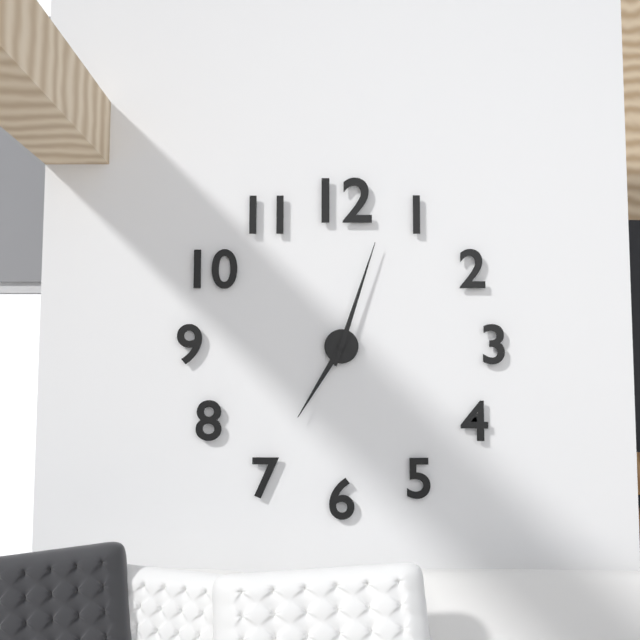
7:03
